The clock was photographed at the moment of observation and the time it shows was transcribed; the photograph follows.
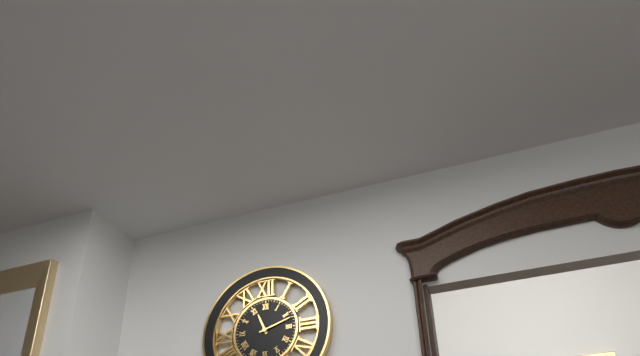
11:12
